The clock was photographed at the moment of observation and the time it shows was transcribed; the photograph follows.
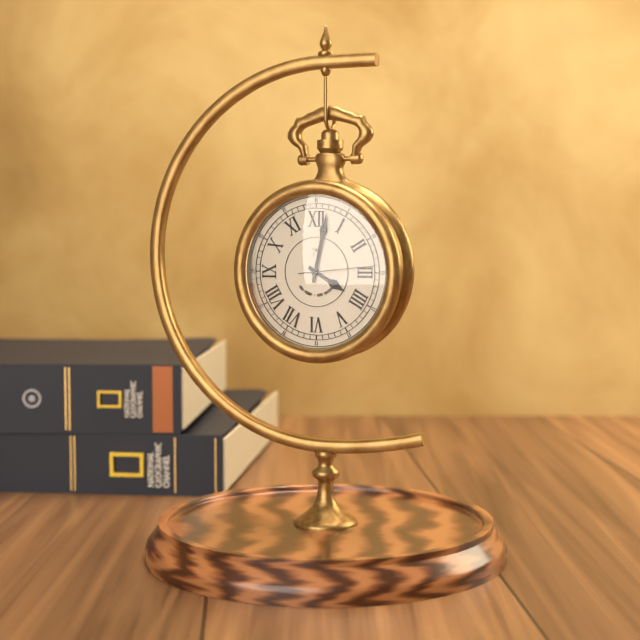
4:02:14
